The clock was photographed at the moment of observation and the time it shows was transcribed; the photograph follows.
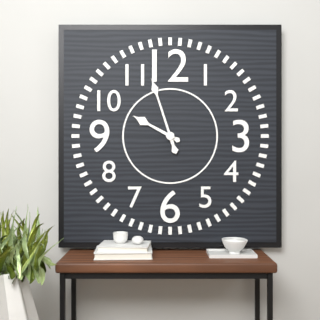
9:57
